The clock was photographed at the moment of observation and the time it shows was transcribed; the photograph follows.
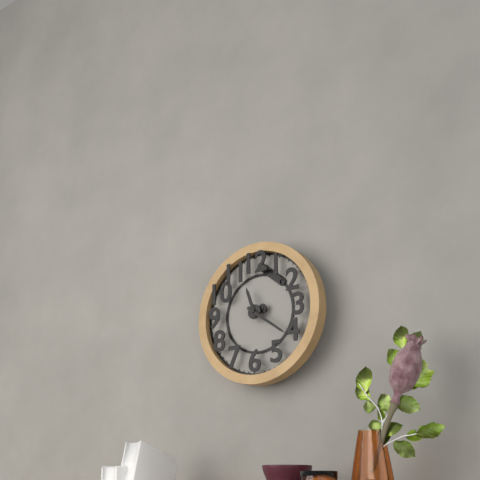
11:21
